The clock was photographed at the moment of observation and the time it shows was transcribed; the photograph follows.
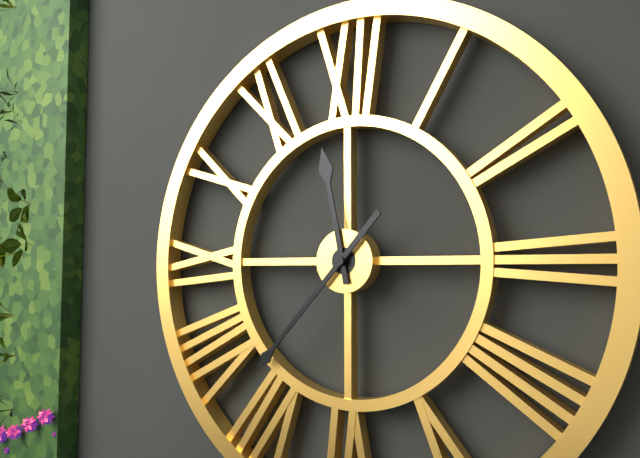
11:37
